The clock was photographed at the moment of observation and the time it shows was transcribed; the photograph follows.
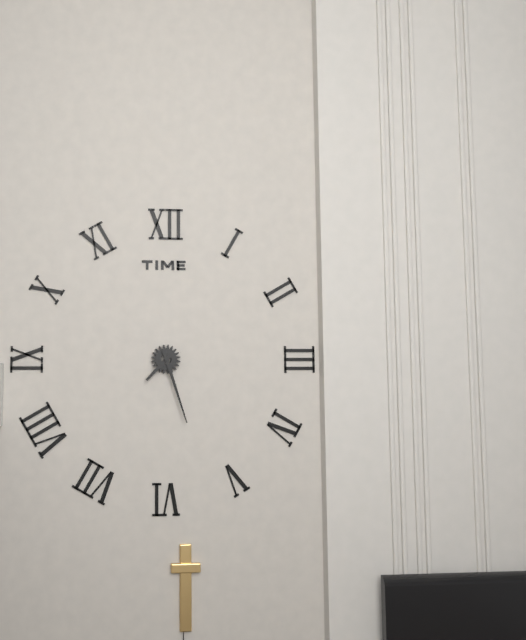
7:27
